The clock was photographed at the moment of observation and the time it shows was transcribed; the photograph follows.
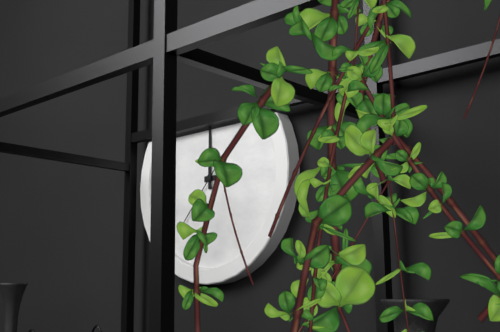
3:00:37
